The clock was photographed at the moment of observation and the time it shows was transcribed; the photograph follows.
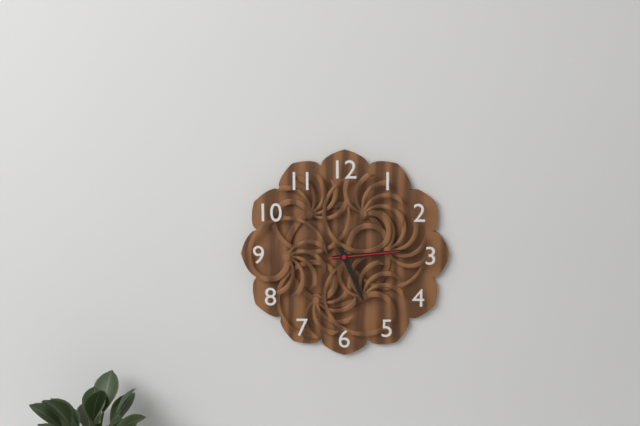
5:14:14
